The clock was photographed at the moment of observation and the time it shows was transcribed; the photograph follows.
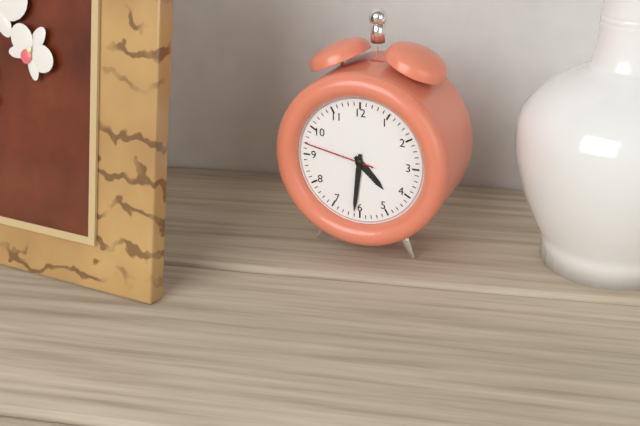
4:31:47
